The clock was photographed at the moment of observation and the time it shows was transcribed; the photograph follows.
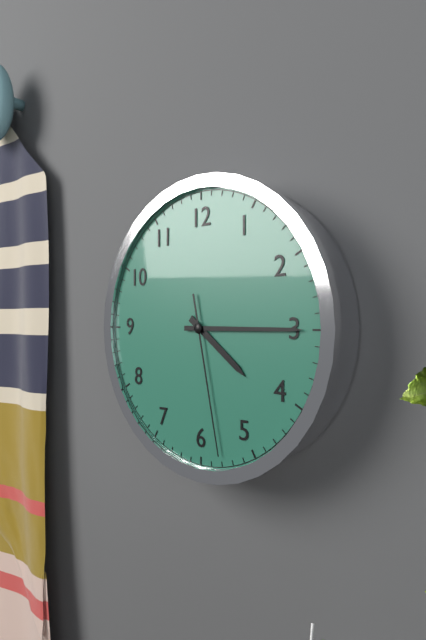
4:15:28
